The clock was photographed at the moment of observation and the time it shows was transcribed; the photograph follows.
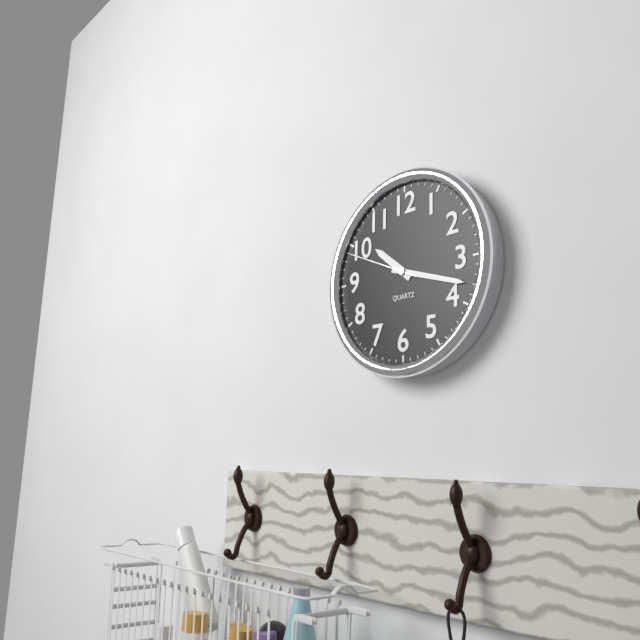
10:18:49
